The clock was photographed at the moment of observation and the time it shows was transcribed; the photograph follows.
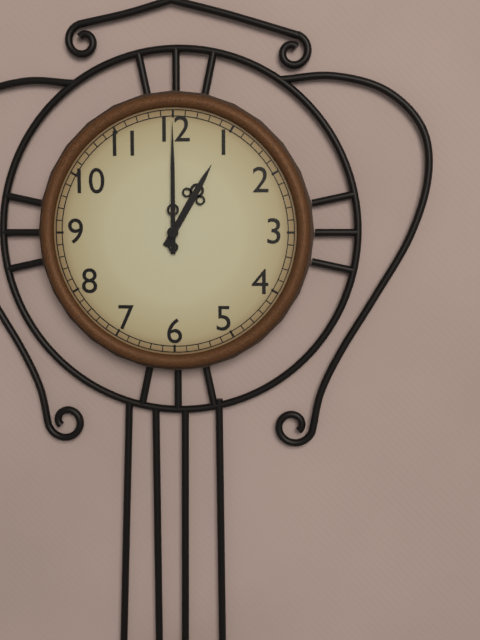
1:00
